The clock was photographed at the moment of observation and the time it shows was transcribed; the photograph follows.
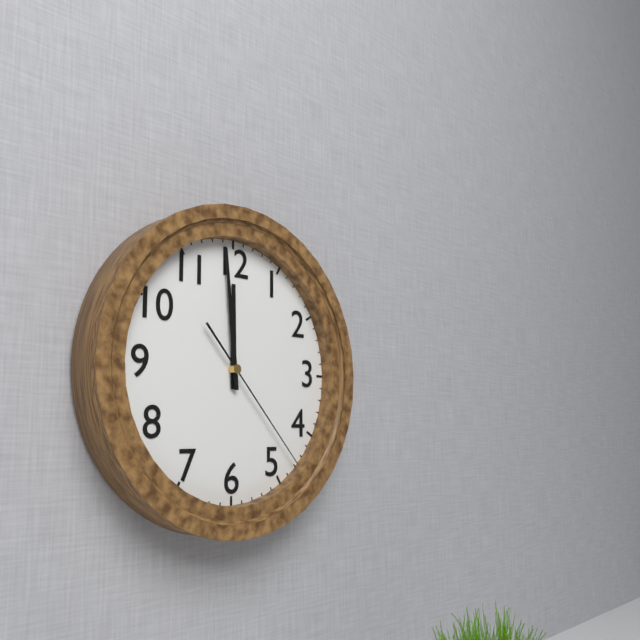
11:59:23
